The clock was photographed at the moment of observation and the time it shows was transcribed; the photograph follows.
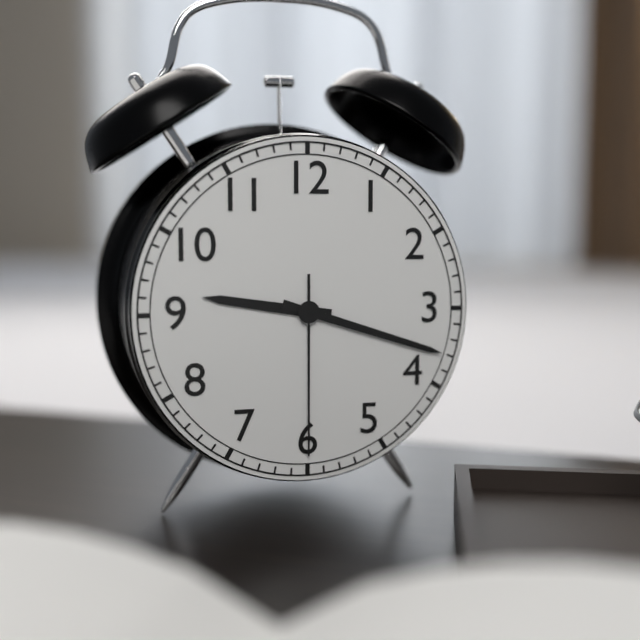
9:18:30
